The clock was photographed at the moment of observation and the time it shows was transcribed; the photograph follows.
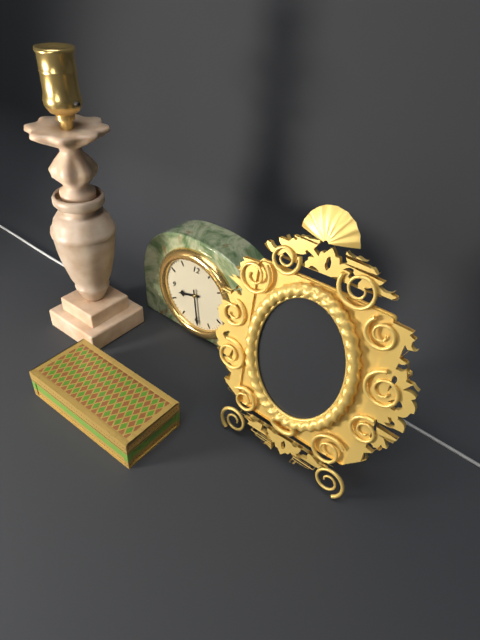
8:29
